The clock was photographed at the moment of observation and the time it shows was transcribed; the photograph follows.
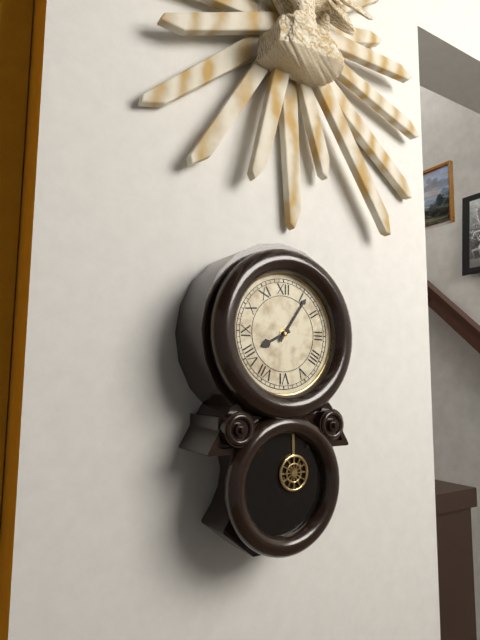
8:06
